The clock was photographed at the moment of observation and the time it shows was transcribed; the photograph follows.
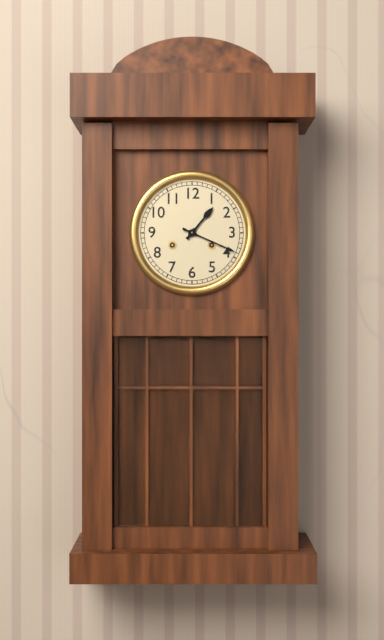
1:19
